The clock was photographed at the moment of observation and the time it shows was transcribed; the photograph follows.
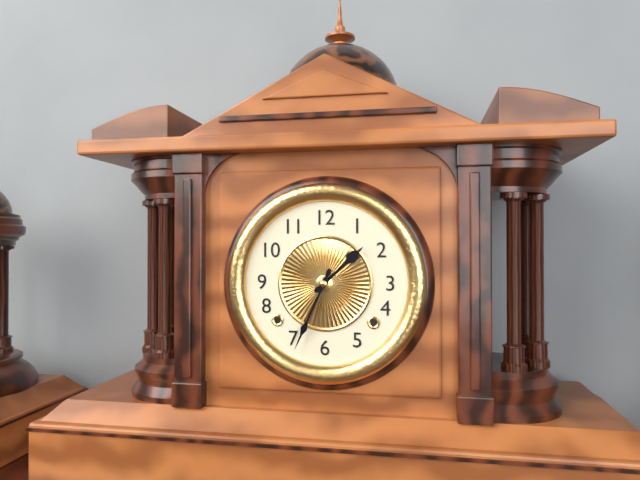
1:34
